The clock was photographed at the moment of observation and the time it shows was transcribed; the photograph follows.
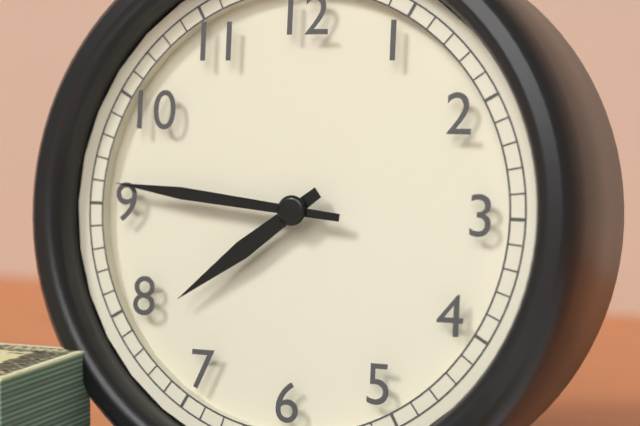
7:46
